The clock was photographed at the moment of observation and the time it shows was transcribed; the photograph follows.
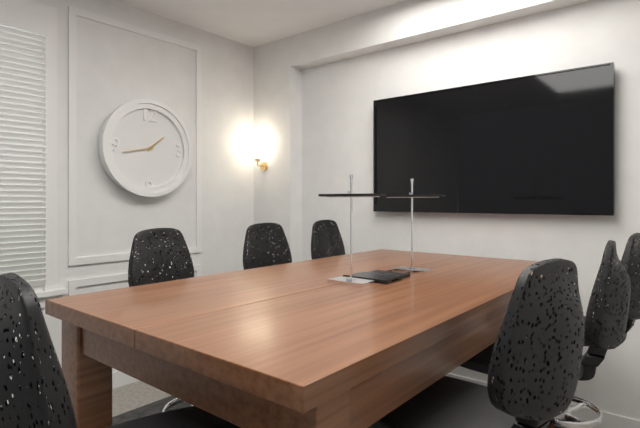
1:43
